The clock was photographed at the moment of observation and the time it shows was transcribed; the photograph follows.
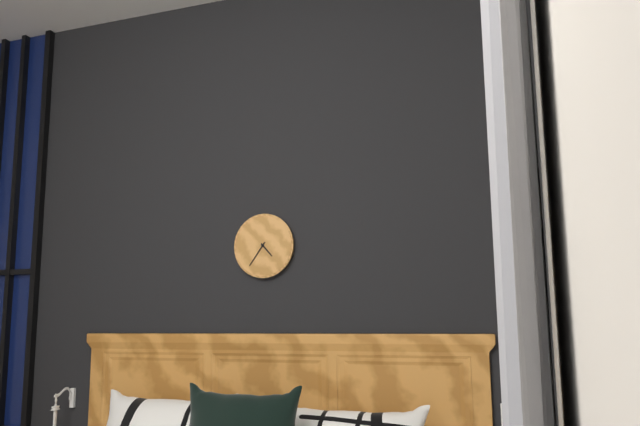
4:36
